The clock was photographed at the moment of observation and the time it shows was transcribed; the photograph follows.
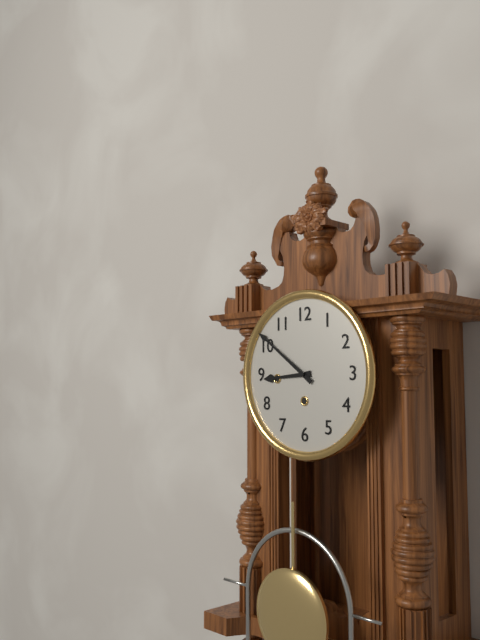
8:51
